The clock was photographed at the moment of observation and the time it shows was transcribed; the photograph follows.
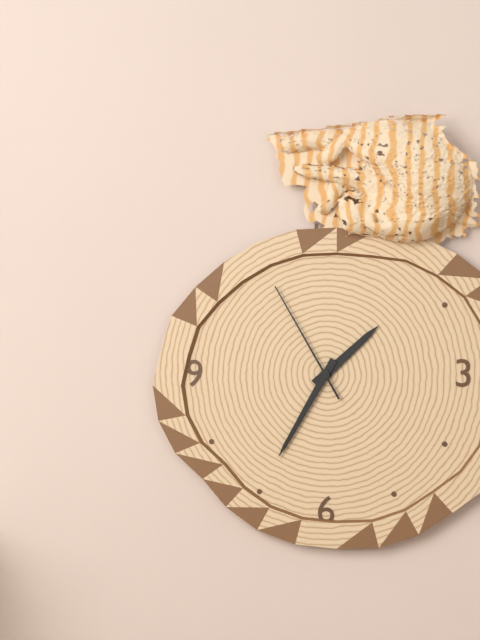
1:35:55
